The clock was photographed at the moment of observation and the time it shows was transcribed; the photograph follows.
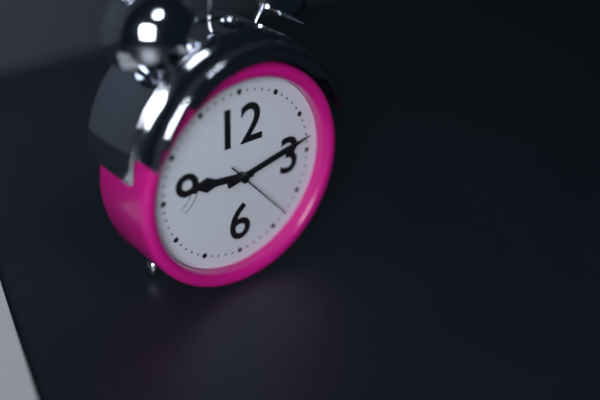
9:13:23
